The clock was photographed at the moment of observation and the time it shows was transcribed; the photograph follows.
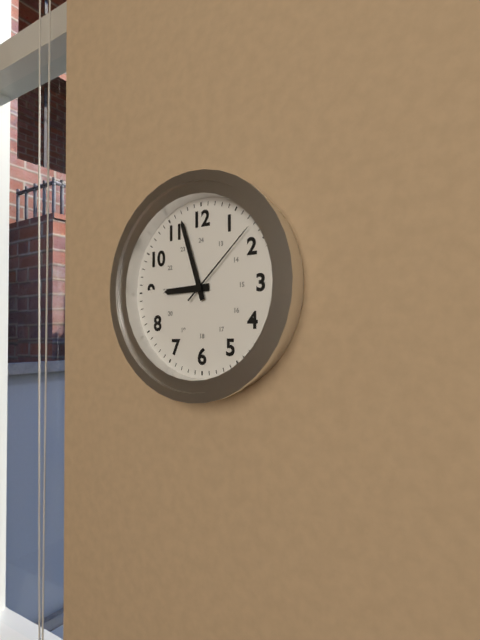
8:57:08
